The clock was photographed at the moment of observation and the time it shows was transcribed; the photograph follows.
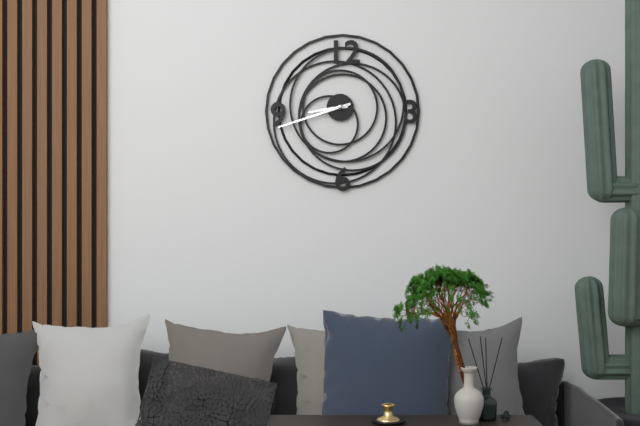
8:42
